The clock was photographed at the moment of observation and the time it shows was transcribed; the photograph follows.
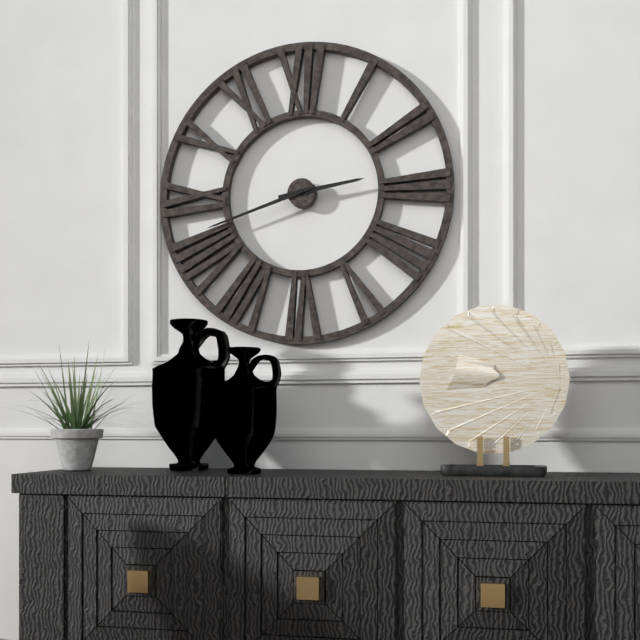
2:42
